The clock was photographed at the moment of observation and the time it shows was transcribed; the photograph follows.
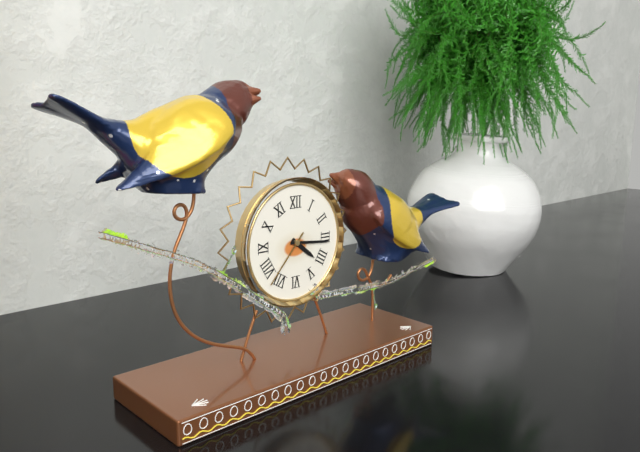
4:16:37
